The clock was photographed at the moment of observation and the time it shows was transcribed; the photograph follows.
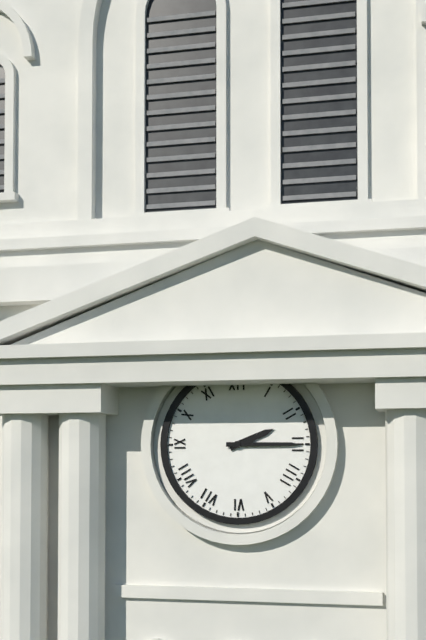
2:15
